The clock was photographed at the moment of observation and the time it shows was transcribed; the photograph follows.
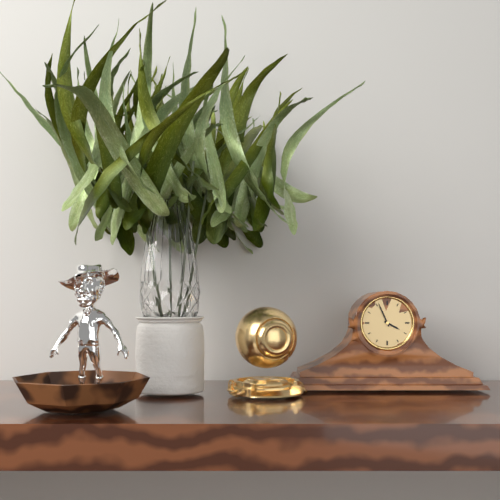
3:56
